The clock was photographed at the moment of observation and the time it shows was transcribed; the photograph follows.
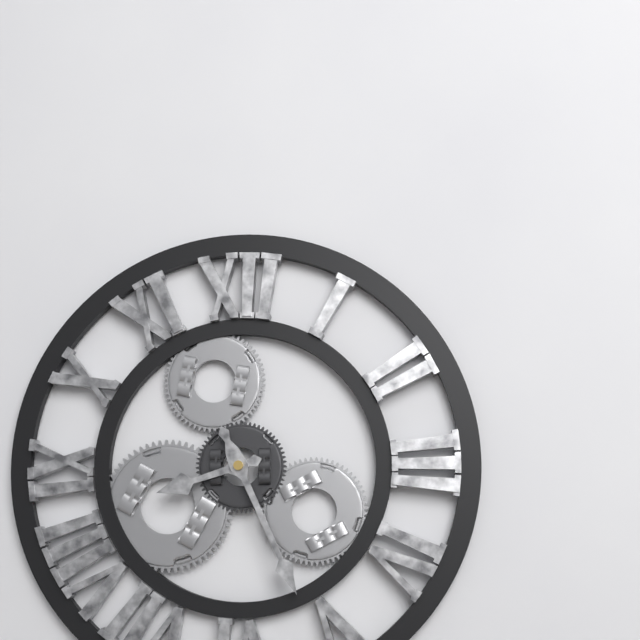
8:26
